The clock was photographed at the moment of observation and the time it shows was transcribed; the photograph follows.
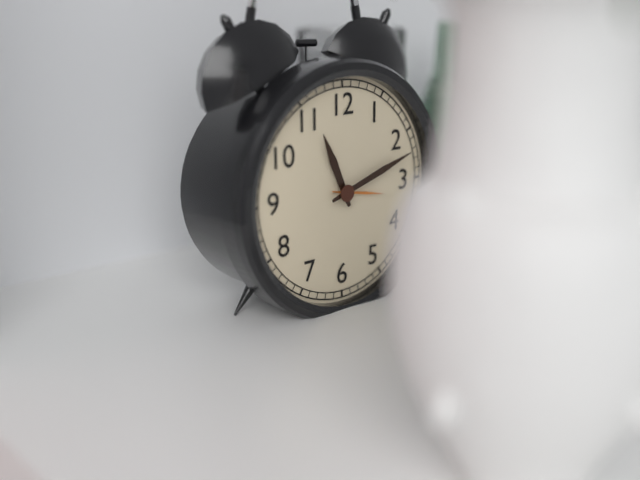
11:12
